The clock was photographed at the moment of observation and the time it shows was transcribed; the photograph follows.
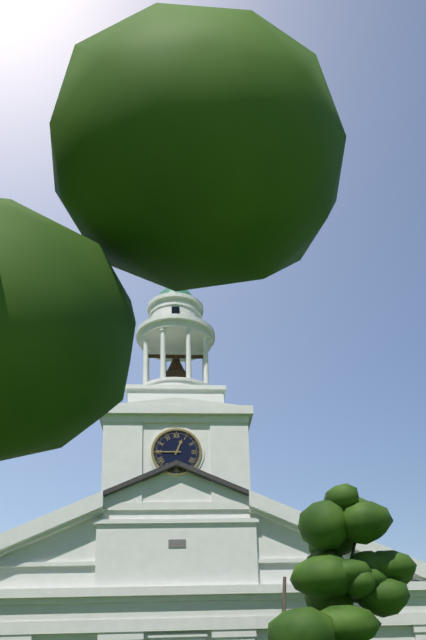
12:45
